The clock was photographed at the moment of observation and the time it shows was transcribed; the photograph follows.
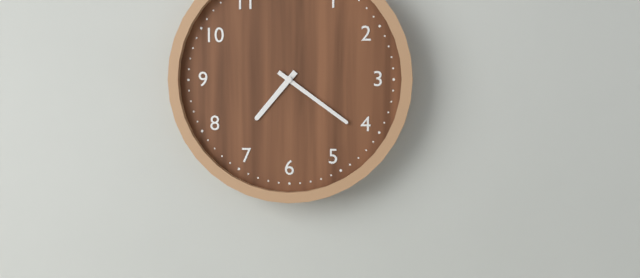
7:21
